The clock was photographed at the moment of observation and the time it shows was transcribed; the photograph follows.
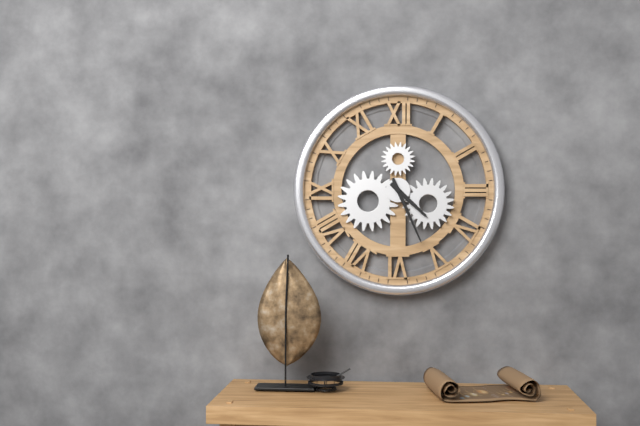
4:26
